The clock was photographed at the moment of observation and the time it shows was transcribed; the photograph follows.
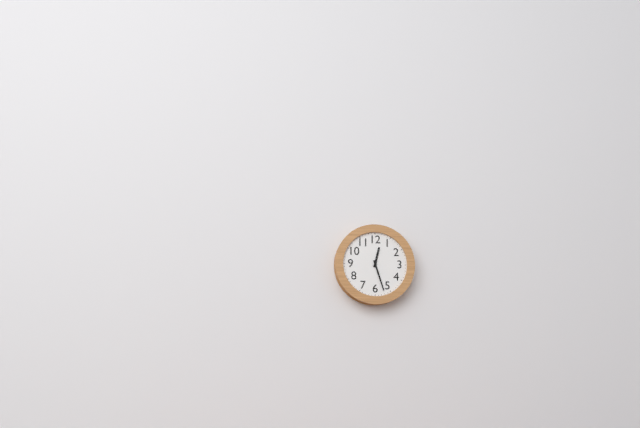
12:27
